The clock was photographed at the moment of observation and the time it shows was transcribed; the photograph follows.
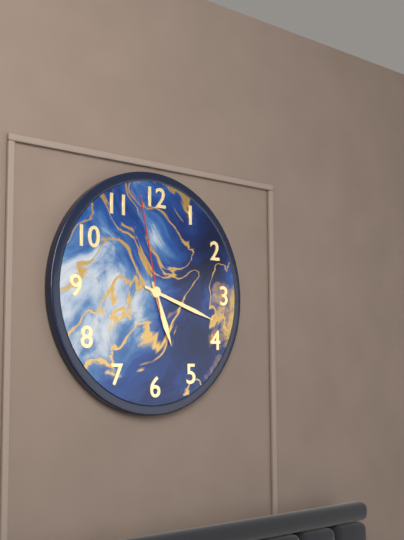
5:18:58
